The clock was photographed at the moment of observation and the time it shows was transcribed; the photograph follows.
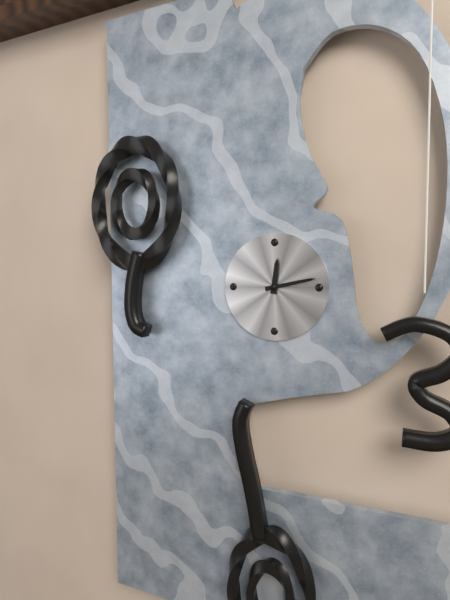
12:13
